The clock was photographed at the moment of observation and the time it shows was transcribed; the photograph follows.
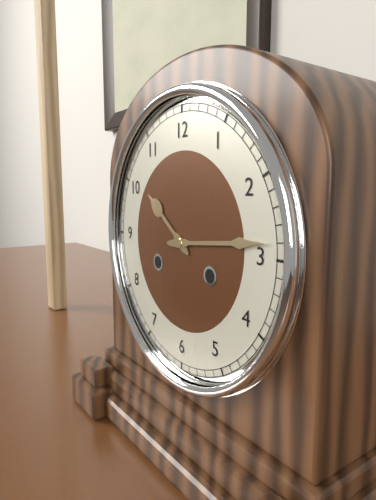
10:14
